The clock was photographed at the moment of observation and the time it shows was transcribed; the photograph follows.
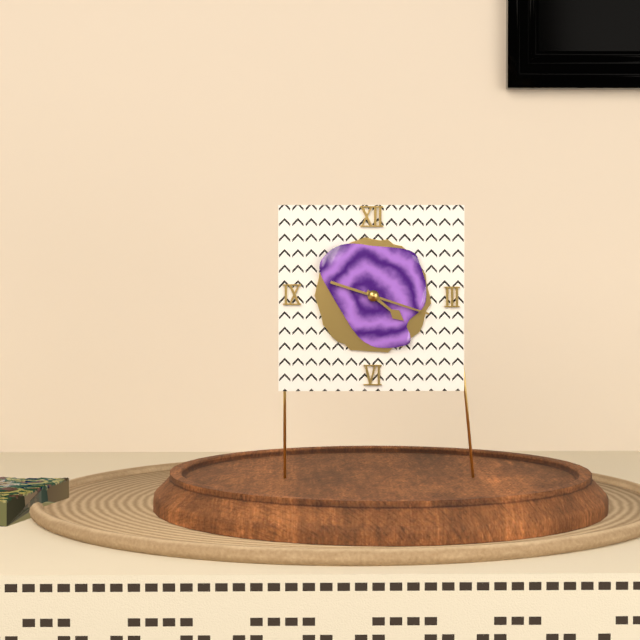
4:18
